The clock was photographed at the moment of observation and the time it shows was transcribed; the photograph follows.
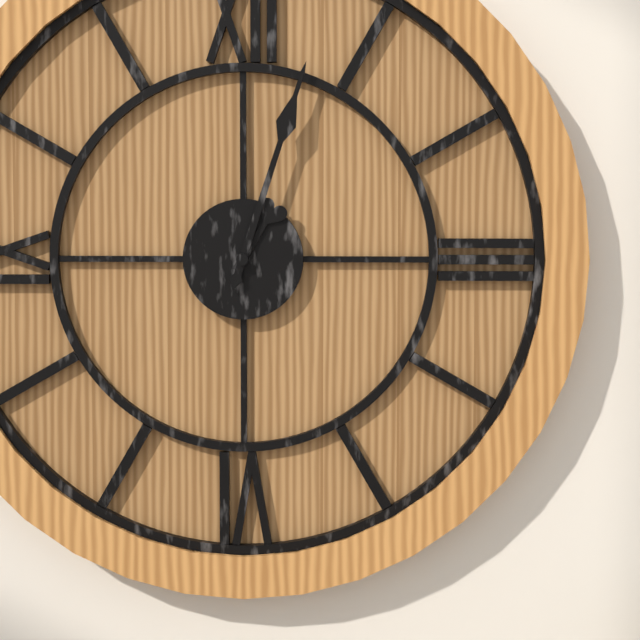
1:03
